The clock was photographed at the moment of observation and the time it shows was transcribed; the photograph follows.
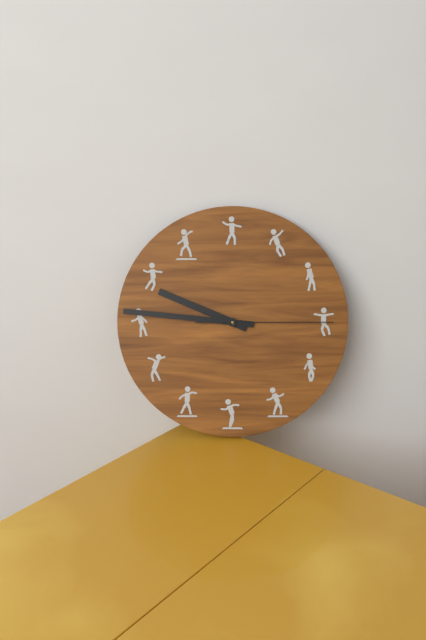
9:46:15
